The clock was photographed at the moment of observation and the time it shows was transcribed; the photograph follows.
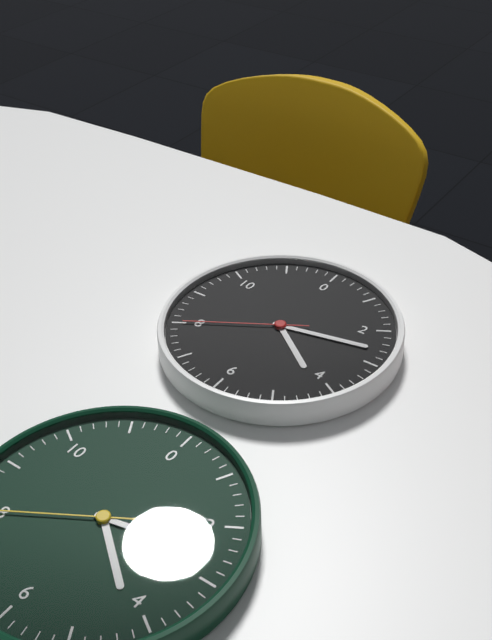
4:13:40
